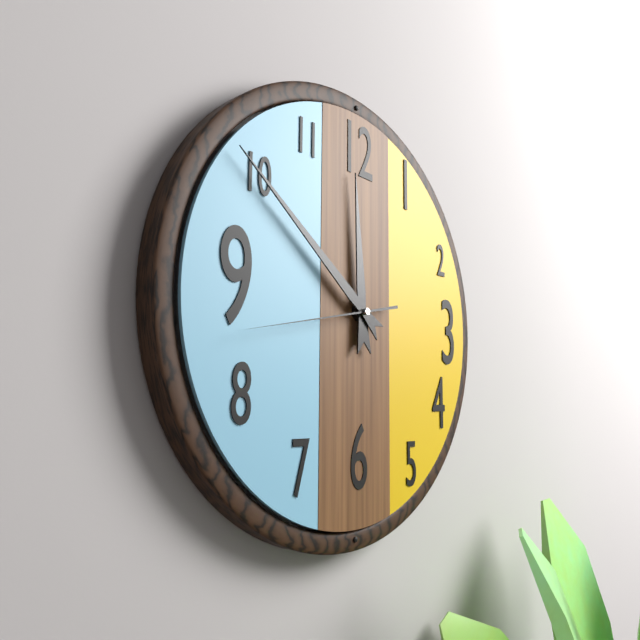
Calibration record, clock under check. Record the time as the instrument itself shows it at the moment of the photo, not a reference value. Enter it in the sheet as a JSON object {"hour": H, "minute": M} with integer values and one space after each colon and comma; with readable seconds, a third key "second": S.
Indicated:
{"hour": 11, "minute": 51, "second": 43}
